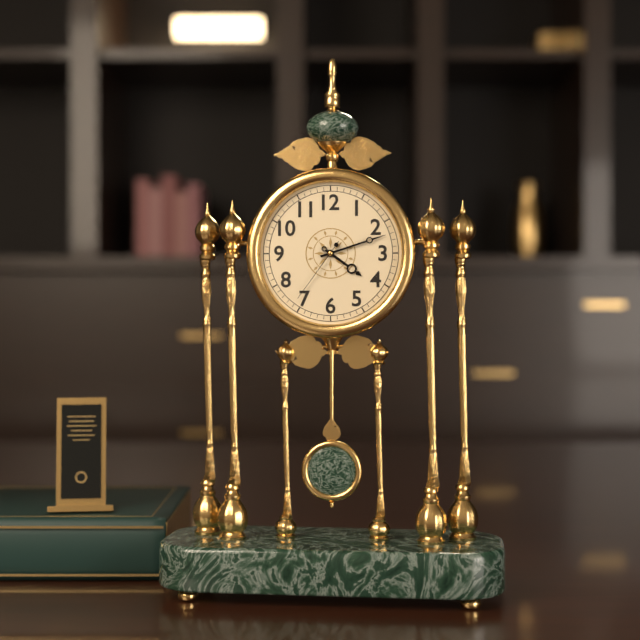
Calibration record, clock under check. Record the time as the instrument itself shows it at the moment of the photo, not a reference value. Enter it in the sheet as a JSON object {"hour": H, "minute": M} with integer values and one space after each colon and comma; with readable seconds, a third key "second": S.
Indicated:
{"hour": 4, "minute": 12, "second": 36}
